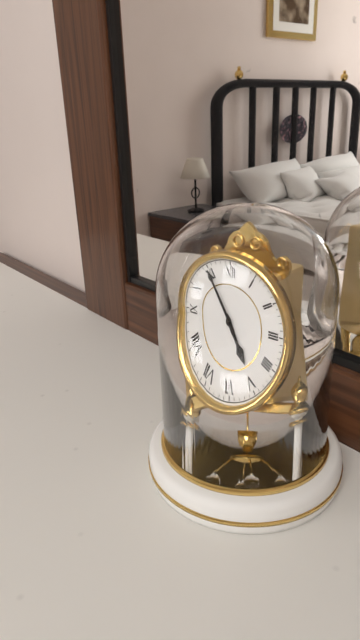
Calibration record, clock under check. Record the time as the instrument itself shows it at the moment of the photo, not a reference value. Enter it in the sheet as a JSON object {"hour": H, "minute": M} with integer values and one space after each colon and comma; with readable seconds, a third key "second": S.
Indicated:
{"hour": 4, "minute": 55}
